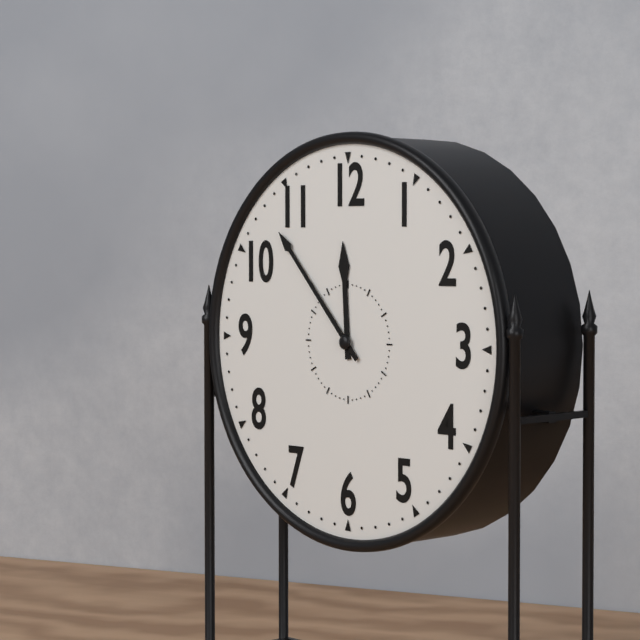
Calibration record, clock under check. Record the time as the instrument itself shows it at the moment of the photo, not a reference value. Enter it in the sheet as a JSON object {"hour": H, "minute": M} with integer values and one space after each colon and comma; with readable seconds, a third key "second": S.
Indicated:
{"hour": 11, "minute": 53}
